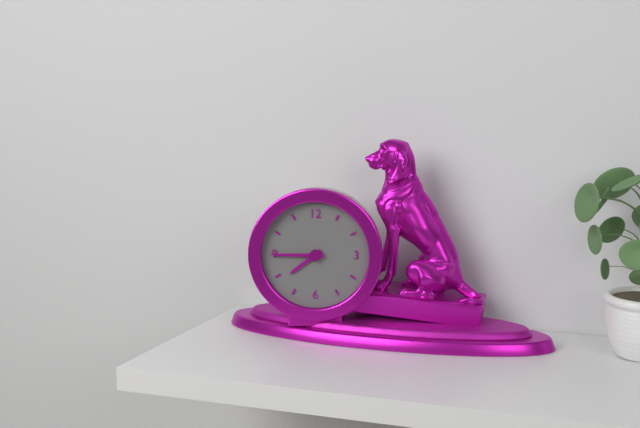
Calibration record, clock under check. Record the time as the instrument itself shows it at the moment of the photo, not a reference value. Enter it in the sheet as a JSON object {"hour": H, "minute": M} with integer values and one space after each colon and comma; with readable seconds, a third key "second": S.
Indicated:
{"hour": 7, "minute": 45}
